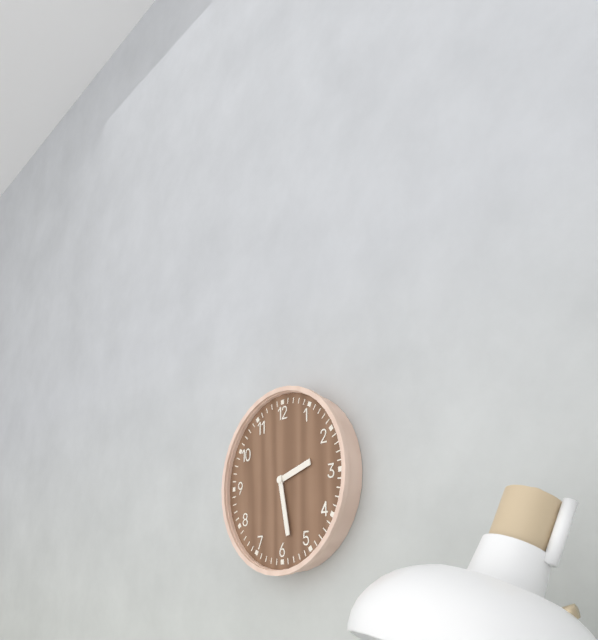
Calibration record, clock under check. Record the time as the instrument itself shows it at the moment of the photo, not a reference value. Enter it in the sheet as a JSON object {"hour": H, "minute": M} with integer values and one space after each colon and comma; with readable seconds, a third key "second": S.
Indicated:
{"hour": 2, "minute": 28}
